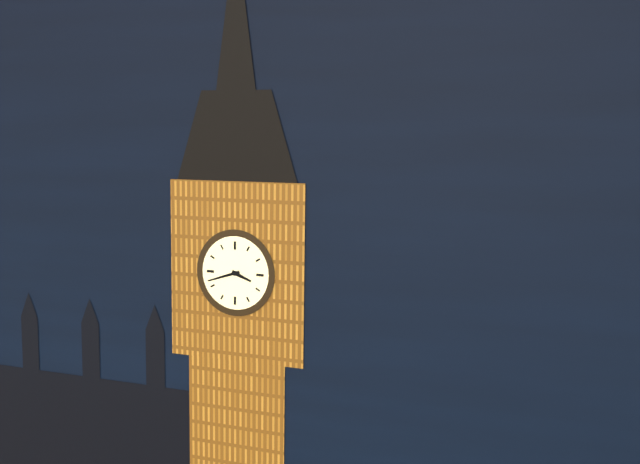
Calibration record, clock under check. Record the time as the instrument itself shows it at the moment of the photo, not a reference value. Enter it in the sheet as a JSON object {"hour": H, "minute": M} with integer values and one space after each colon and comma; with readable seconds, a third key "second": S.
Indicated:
{"hour": 3, "minute": 42}
